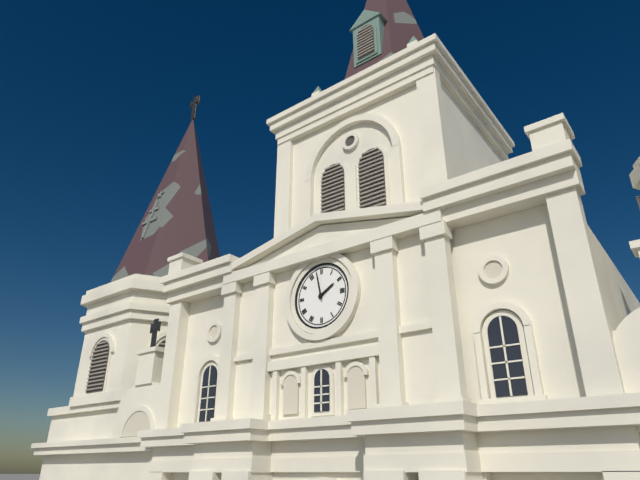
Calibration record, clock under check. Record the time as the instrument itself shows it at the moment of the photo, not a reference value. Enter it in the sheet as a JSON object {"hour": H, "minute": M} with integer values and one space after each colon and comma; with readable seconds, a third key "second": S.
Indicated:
{"hour": 1, "minute": 58}
